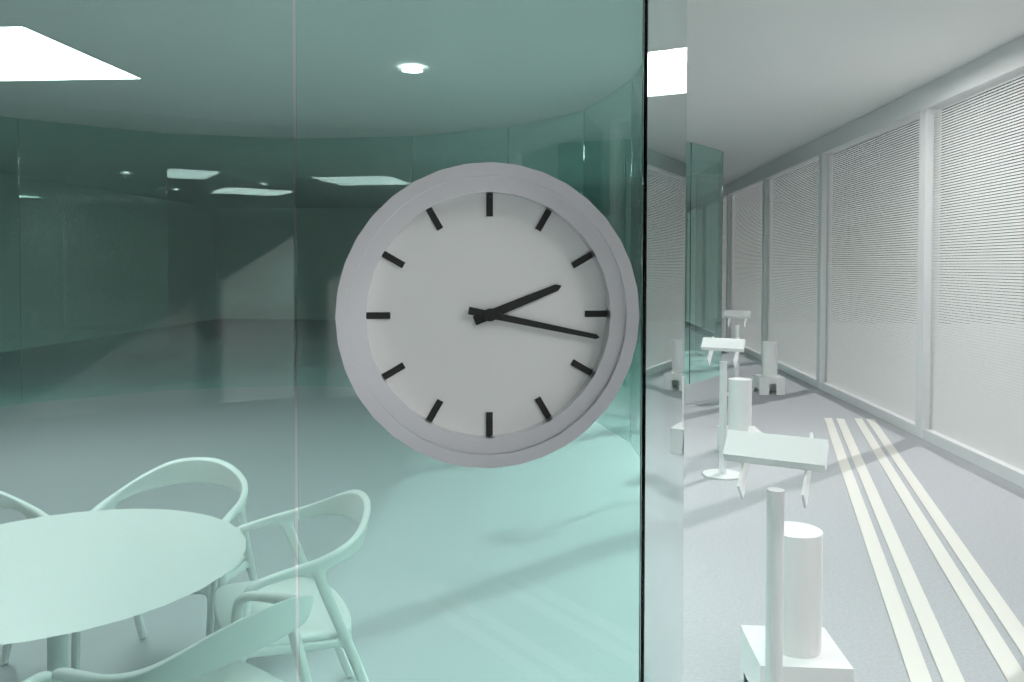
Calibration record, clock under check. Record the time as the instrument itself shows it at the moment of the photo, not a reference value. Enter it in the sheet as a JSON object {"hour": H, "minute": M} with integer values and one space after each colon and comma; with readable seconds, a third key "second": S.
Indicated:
{"hour": 2, "minute": 17}
